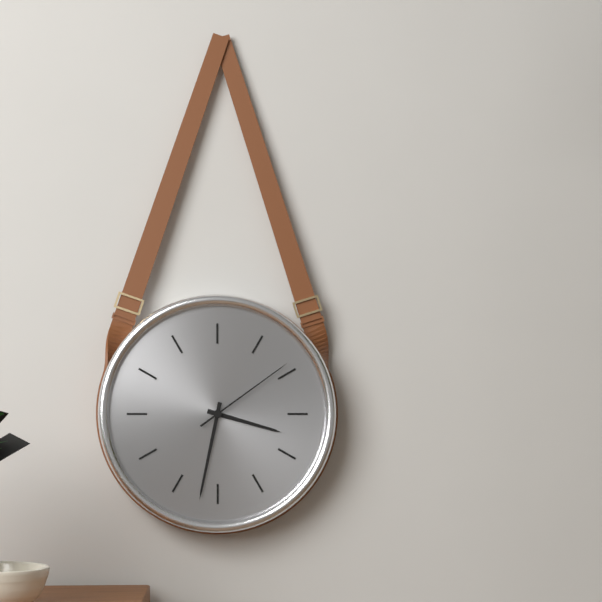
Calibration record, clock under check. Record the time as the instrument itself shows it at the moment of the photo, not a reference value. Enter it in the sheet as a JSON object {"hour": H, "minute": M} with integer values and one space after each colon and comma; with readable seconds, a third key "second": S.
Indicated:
{"hour": 3, "minute": 32, "second": 9}
